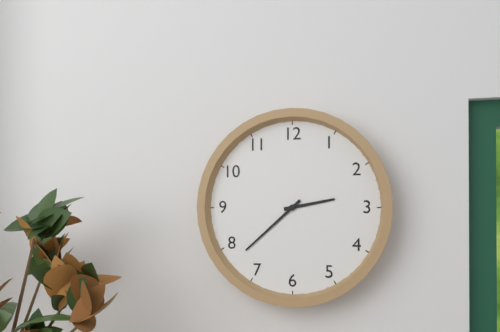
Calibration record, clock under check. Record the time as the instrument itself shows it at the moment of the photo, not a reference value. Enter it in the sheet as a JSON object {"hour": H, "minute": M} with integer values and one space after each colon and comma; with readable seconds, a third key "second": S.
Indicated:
{"hour": 2, "minute": 38}
